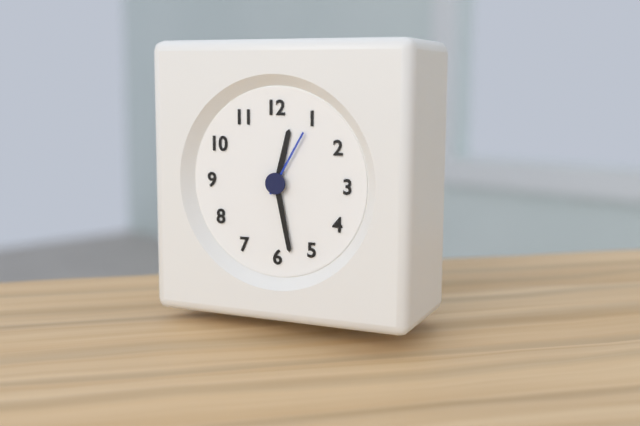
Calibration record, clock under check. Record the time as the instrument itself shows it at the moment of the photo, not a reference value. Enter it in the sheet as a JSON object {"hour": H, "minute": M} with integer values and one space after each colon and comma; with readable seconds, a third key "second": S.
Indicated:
{"hour": 12, "minute": 28, "second": 5}
